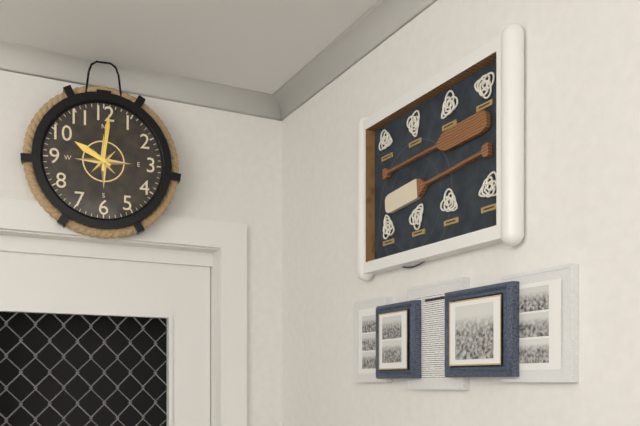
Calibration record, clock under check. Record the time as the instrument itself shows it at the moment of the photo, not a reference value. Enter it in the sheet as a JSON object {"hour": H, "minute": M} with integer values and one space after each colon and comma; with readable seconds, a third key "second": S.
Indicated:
{"hour": 10, "minute": 1}
